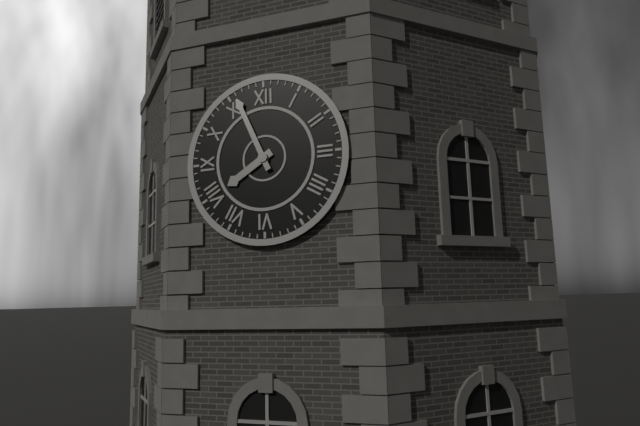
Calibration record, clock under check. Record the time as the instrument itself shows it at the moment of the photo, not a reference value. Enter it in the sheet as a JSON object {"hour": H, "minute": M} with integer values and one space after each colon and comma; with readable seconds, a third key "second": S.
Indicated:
{"hour": 7, "minute": 56}
